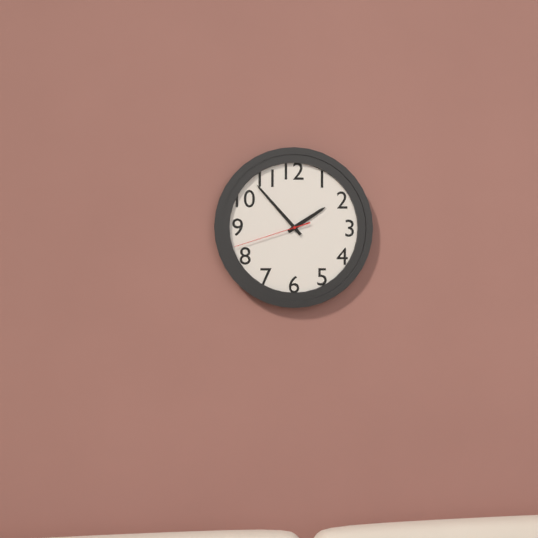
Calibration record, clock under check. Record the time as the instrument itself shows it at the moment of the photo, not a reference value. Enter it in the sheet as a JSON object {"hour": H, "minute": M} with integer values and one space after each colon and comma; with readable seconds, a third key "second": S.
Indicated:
{"hour": 1, "minute": 53, "second": 42}
